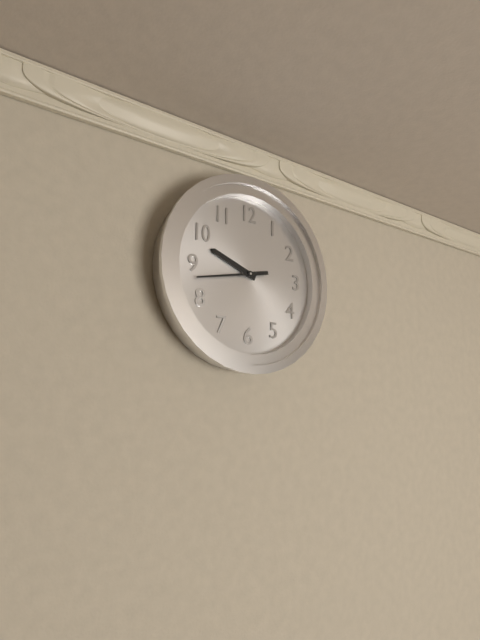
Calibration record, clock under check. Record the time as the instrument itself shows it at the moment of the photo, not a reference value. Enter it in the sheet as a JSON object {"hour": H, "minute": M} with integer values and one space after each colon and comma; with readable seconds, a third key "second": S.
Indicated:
{"hour": 9, "minute": 43}
